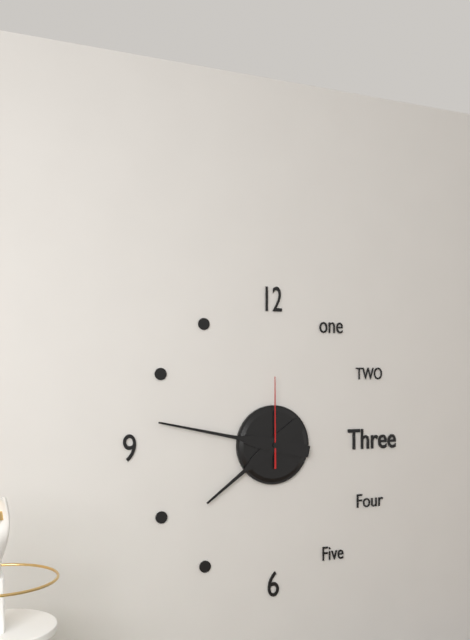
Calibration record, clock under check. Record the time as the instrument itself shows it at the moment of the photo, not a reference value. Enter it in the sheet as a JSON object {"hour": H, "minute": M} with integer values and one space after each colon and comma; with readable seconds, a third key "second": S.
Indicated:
{"hour": 7, "minute": 47, "second": 0}
